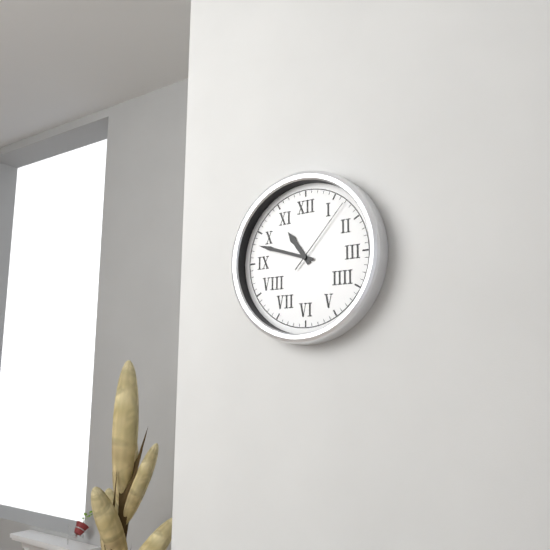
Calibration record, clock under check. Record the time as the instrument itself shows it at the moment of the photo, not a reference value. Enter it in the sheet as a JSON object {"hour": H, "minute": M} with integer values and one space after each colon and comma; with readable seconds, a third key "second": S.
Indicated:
{"hour": 10, "minute": 48, "second": 7}
